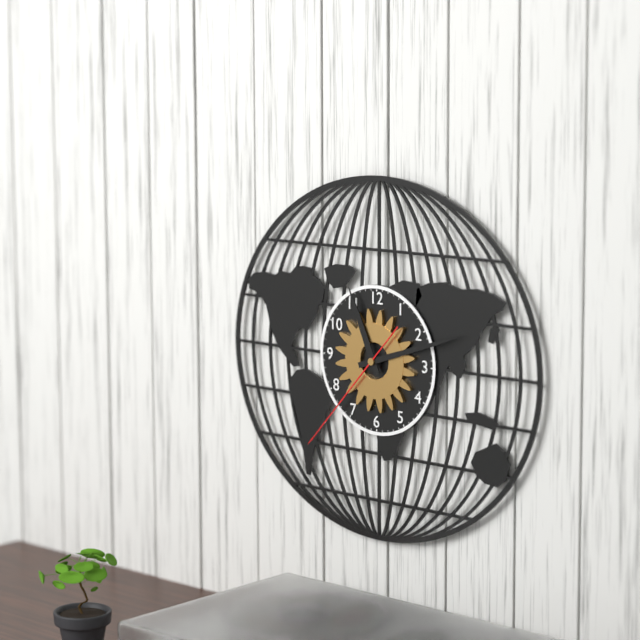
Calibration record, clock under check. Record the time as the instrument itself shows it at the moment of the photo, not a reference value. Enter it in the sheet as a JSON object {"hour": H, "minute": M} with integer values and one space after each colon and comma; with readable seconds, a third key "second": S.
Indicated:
{"hour": 11, "minute": 12, "second": 37}
